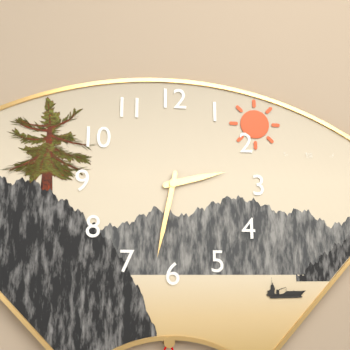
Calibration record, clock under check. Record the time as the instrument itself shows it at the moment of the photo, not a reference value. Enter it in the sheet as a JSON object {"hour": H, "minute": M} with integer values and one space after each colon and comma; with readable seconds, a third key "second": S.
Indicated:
{"hour": 2, "minute": 32}
